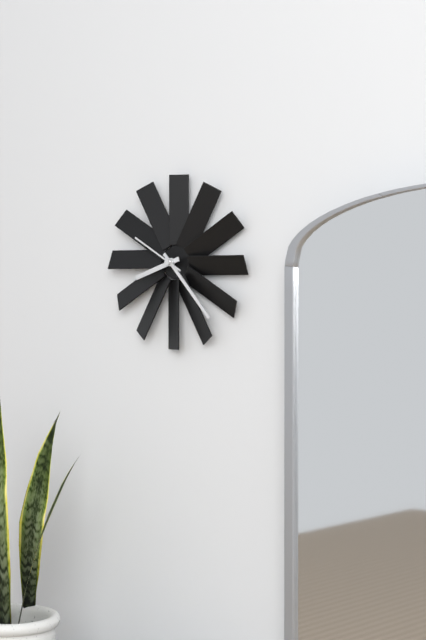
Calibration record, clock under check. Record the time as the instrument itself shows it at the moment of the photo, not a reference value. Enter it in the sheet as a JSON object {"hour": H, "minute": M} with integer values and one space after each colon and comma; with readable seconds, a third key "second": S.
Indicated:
{"hour": 8, "minute": 23, "second": 50}
